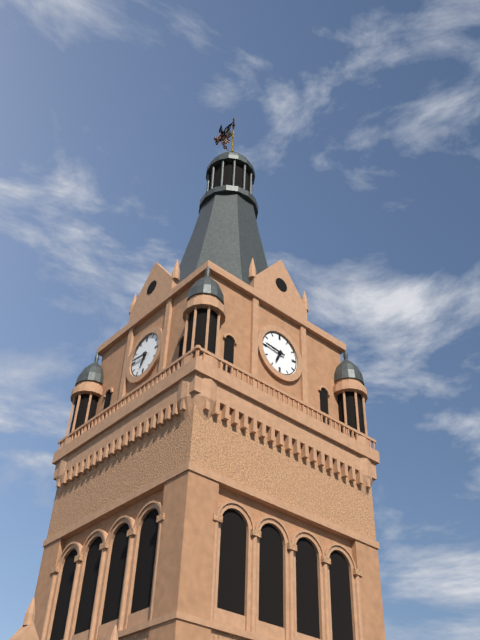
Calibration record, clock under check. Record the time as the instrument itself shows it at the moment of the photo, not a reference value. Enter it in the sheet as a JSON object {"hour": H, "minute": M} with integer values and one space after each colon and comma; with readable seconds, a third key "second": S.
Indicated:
{"hour": 6, "minute": 46}
